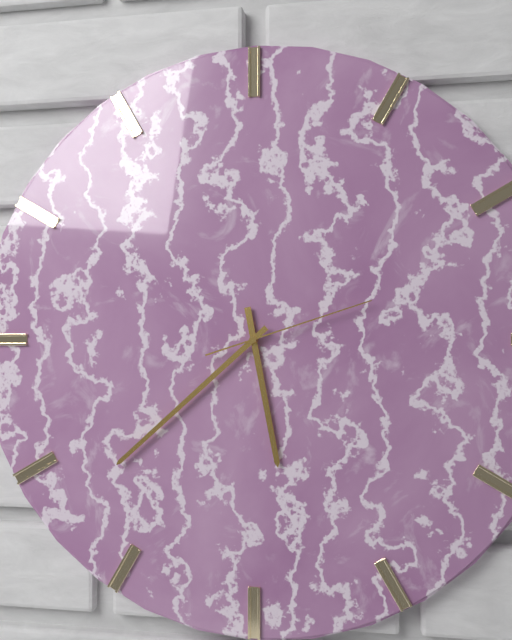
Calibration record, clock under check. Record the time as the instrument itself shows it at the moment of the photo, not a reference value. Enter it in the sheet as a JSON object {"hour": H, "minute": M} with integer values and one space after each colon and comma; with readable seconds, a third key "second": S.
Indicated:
{"hour": 5, "minute": 38, "second": 12}
